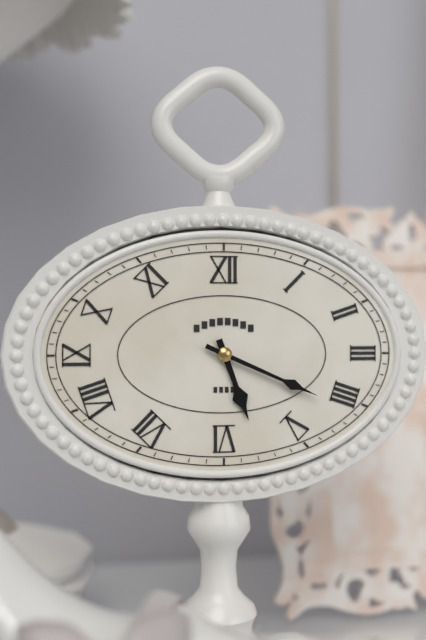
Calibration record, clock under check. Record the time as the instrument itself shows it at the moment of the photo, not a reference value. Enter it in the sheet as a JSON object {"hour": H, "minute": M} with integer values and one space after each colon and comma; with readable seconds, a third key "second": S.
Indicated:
{"hour": 5, "minute": 19}
